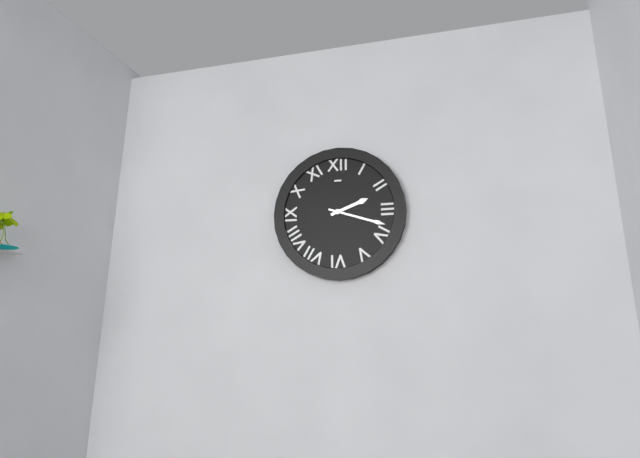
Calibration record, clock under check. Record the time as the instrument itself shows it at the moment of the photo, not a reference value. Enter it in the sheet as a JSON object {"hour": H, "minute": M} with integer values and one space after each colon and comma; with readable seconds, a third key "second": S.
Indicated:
{"hour": 2, "minute": 18}
